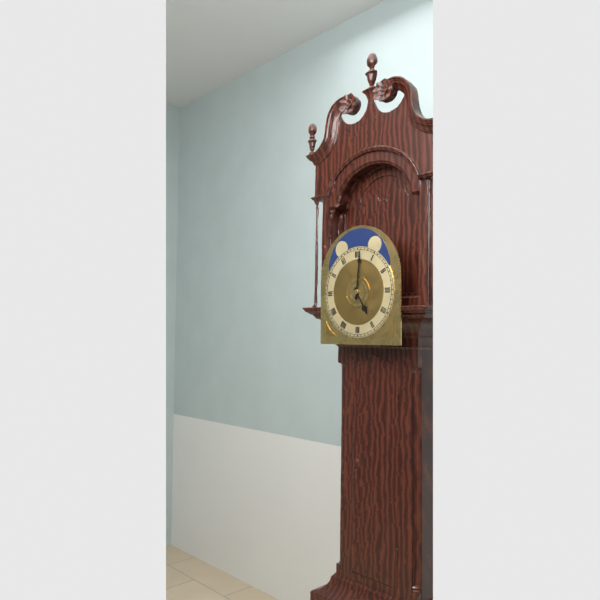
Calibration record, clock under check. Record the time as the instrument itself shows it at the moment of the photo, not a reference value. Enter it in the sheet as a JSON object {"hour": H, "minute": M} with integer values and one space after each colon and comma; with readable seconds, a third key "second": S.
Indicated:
{"hour": 5, "minute": 1}
